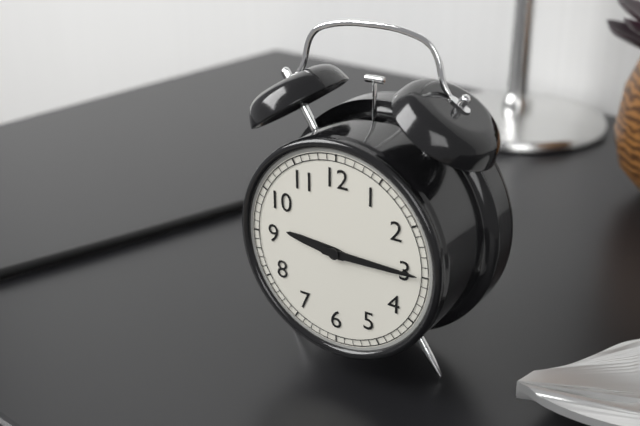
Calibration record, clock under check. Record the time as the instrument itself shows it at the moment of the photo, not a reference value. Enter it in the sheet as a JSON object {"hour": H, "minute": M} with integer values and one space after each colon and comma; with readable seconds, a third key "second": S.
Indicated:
{"hour": 9, "minute": 15}
